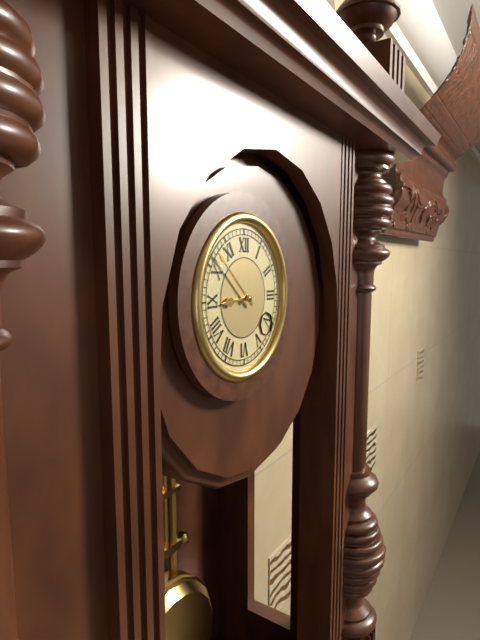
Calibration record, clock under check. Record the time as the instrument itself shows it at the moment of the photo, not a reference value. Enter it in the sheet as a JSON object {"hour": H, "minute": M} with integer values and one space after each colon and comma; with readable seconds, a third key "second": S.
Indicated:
{"hour": 8, "minute": 52}
